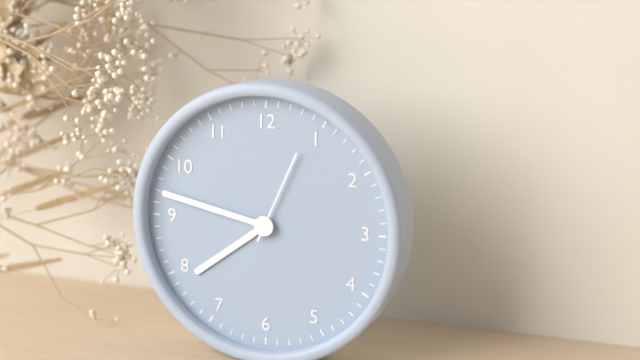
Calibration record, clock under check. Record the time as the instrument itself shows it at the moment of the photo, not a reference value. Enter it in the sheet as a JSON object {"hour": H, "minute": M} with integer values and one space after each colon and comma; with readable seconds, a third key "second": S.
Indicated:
{"hour": 7, "minute": 47, "second": 4}
